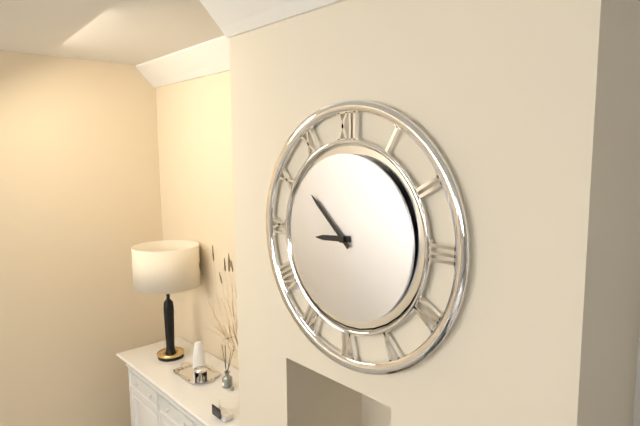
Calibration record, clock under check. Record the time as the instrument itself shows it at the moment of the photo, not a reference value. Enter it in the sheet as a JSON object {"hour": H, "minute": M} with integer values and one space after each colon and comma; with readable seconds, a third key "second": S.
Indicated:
{"hour": 8, "minute": 52}
